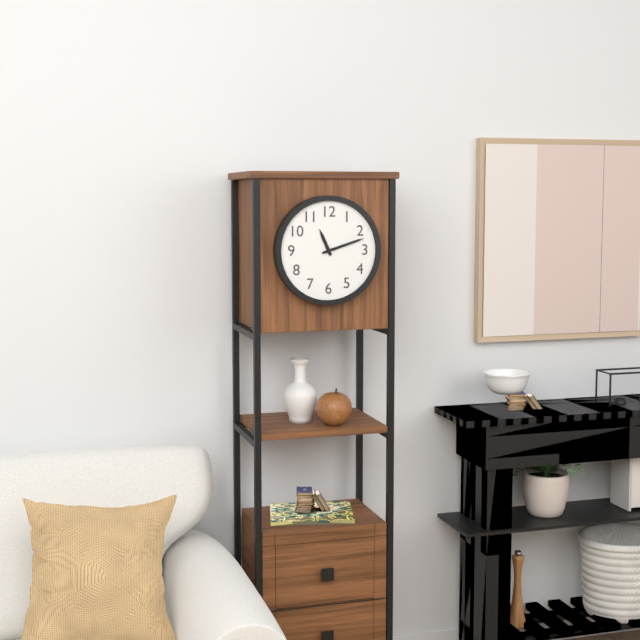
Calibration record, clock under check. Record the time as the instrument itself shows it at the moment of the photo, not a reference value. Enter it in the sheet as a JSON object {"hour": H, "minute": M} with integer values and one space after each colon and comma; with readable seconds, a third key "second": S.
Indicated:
{"hour": 11, "minute": 12}
